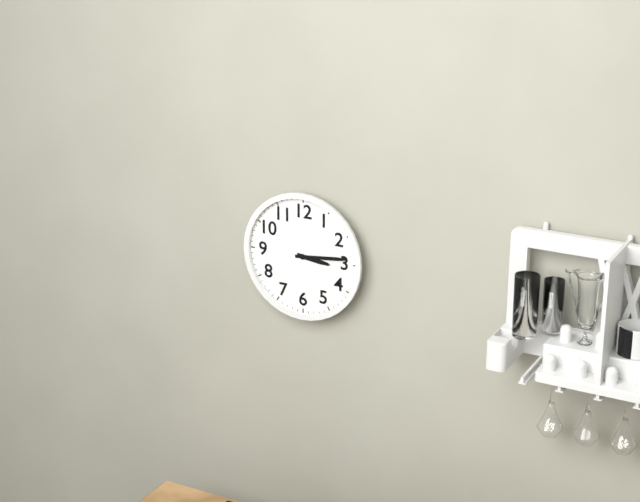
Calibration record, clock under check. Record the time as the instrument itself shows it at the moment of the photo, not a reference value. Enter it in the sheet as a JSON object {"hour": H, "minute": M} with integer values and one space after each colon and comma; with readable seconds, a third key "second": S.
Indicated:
{"hour": 3, "minute": 14}
